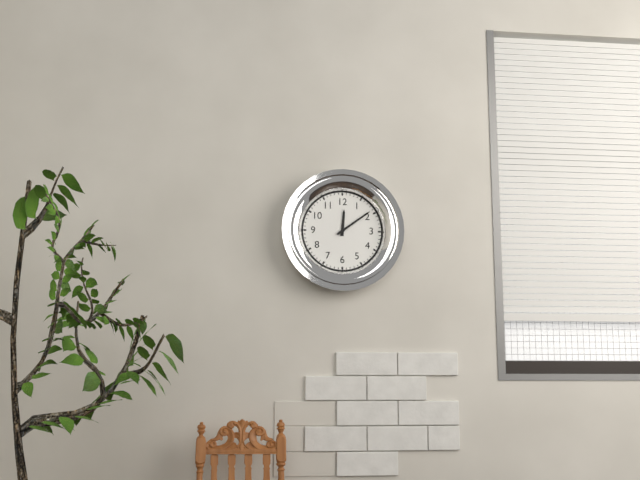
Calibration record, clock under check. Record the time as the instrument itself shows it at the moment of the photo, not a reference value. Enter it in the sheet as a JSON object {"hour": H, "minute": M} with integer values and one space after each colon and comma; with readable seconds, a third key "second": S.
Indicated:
{"hour": 12, "minute": 9}
